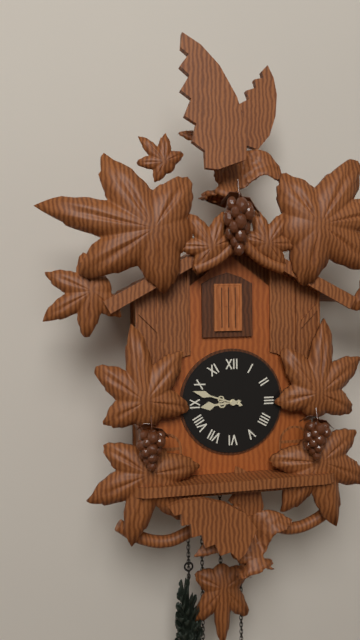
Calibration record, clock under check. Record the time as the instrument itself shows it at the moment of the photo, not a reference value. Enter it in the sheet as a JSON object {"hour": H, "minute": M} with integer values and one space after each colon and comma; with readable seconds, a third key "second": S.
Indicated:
{"hour": 8, "minute": 48}
